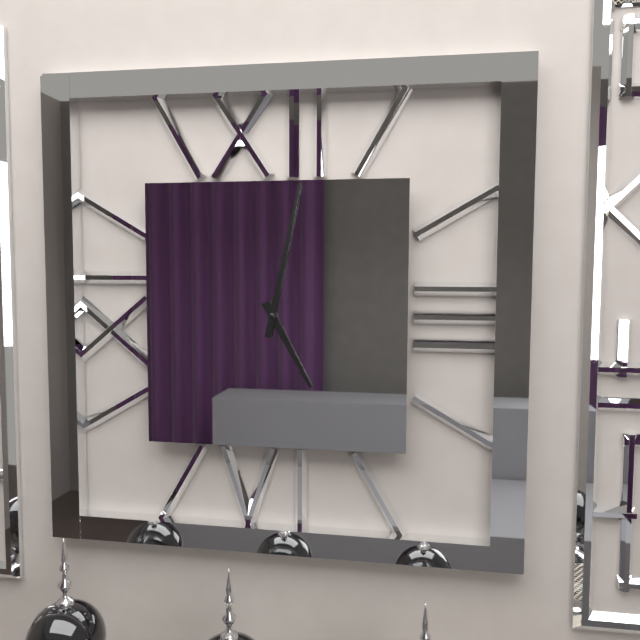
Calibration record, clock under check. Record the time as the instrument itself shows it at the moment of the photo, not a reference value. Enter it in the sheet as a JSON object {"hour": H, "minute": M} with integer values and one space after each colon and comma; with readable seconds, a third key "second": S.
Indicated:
{"hour": 5, "minute": 2}
